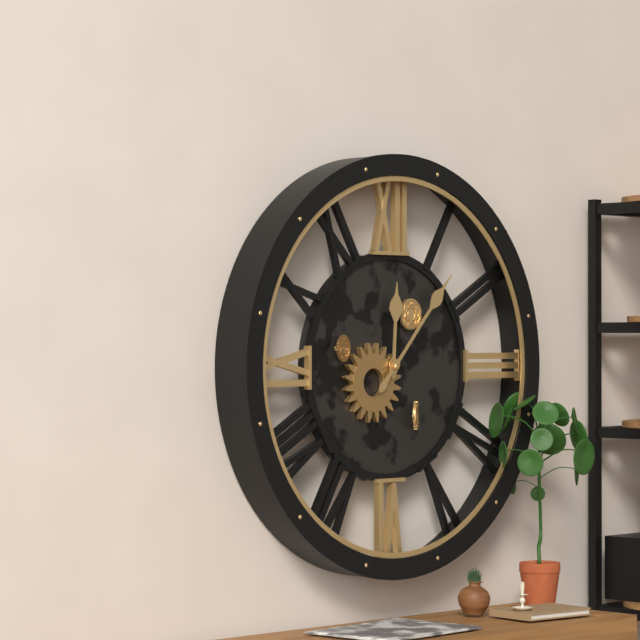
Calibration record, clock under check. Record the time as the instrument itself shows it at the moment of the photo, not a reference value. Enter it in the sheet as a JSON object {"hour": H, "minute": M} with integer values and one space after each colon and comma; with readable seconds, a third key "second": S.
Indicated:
{"hour": 12, "minute": 7}
